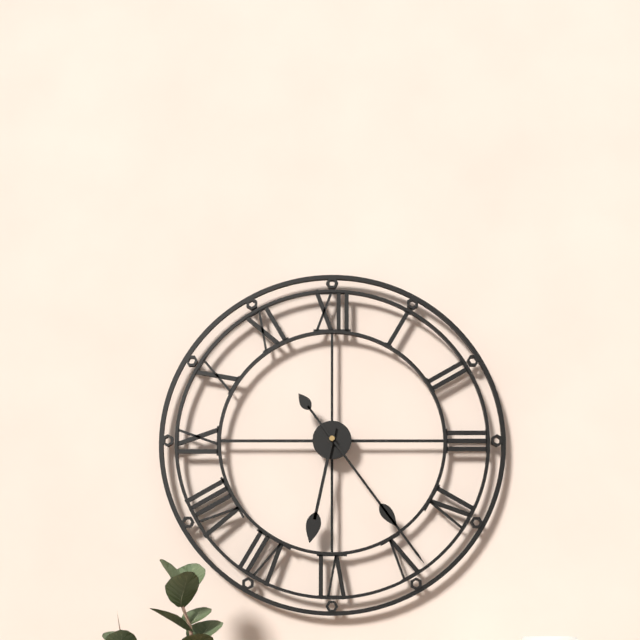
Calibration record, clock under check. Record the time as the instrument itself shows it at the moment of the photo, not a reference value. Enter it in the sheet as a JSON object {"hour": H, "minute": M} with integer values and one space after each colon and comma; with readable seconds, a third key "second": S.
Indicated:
{"hour": 6, "minute": 24}
